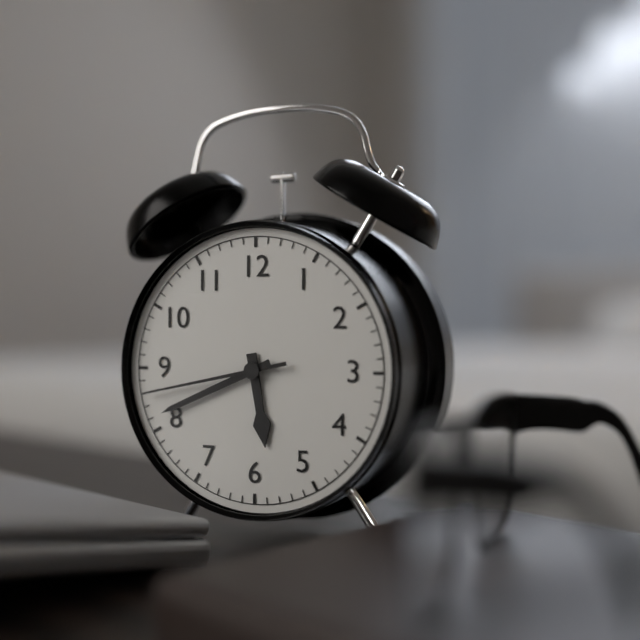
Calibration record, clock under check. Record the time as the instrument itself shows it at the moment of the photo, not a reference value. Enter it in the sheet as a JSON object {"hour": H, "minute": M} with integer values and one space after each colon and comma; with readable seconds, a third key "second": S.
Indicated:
{"hour": 5, "minute": 41, "second": 43}
